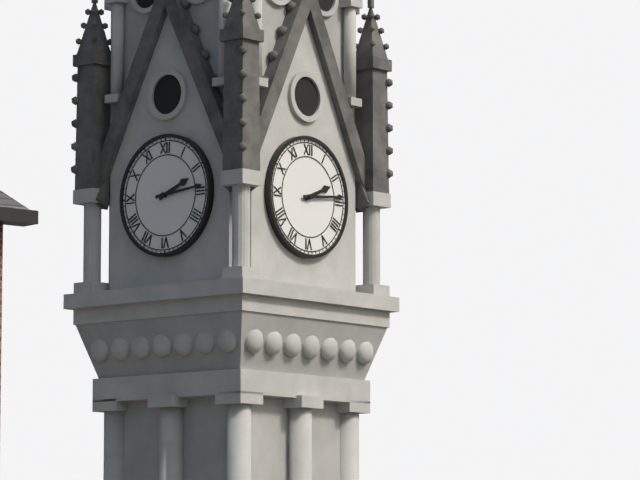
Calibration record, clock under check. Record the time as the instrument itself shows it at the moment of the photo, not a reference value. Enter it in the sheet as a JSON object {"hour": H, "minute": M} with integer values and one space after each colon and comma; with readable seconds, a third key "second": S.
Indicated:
{"hour": 2, "minute": 14}
